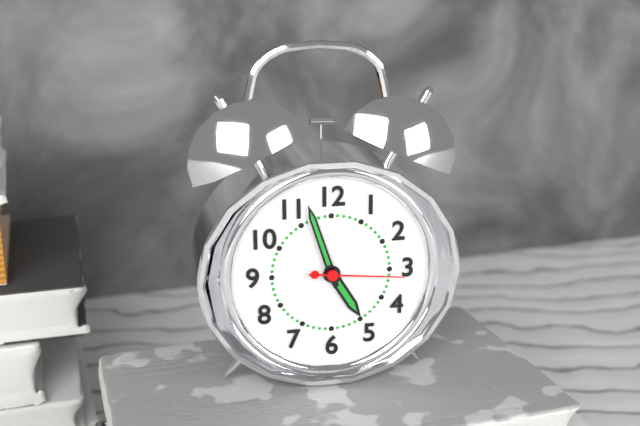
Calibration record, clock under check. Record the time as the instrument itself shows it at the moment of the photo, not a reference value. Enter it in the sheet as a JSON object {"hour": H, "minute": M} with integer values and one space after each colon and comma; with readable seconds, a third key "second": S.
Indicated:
{"hour": 4, "minute": 57, "second": 16}
